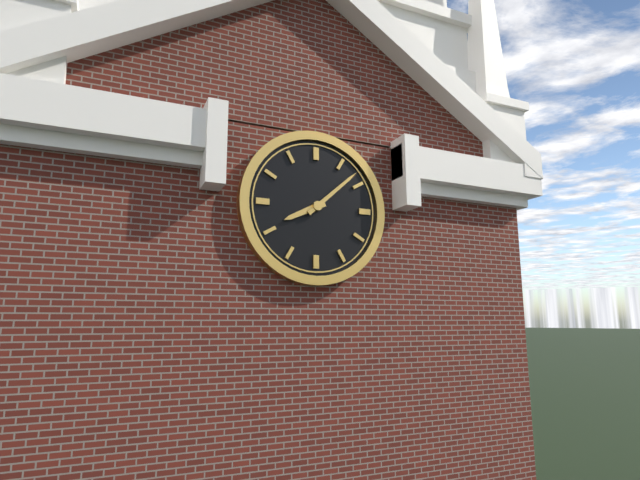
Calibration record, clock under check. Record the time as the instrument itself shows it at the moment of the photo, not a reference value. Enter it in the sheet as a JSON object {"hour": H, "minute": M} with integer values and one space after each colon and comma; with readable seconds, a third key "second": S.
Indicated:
{"hour": 8, "minute": 8}
